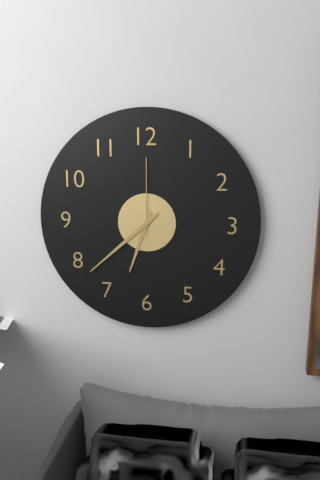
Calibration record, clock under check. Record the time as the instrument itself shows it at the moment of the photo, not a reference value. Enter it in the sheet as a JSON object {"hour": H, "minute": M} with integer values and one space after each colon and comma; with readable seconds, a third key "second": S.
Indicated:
{"hour": 6, "minute": 38, "second": 0}
